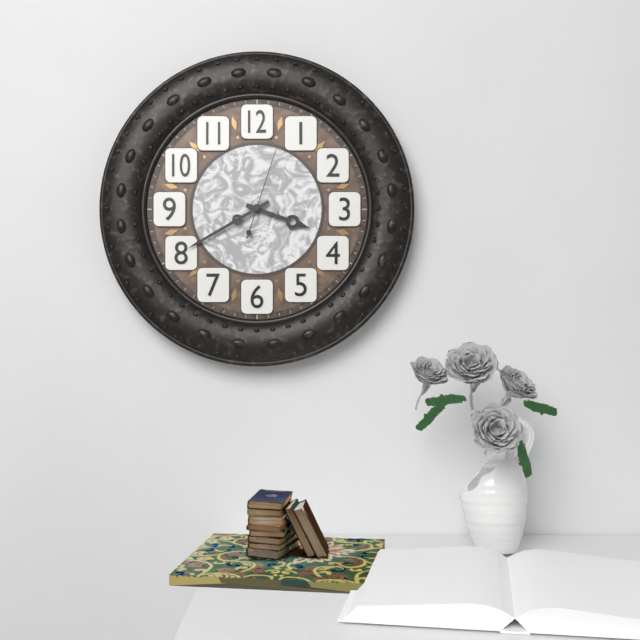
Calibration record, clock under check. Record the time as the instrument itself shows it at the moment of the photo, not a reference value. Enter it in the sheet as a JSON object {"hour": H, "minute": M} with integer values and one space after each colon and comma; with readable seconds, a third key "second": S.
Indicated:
{"hour": 3, "minute": 40, "second": 3}
